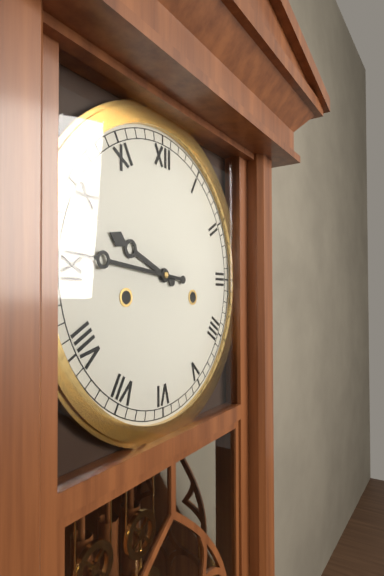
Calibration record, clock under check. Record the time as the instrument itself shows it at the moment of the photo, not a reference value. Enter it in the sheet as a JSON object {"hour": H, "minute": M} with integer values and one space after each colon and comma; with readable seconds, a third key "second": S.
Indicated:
{"hour": 9, "minute": 46}
